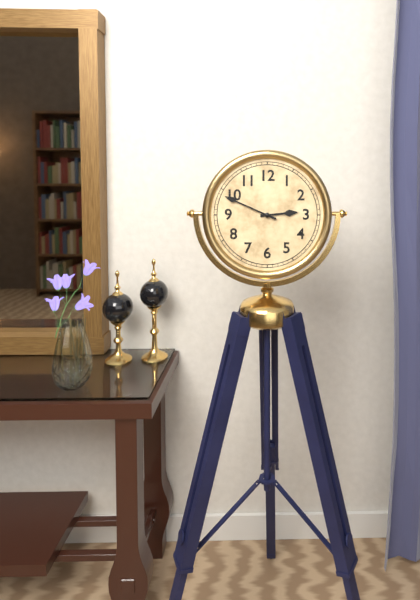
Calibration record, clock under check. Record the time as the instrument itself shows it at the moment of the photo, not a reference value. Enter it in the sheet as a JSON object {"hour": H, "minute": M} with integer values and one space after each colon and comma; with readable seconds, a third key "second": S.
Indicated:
{"hour": 2, "minute": 49}
